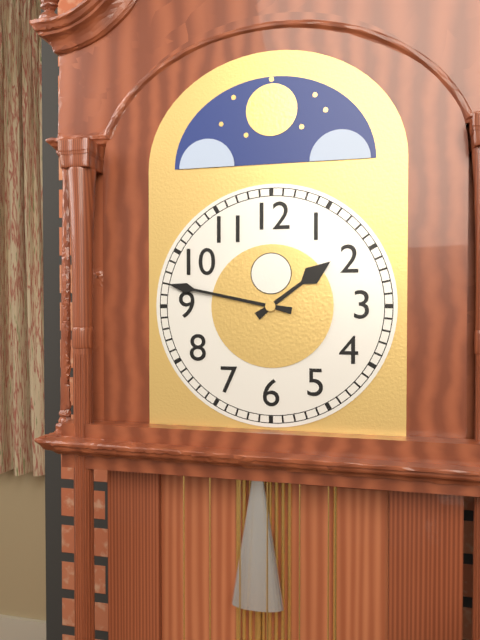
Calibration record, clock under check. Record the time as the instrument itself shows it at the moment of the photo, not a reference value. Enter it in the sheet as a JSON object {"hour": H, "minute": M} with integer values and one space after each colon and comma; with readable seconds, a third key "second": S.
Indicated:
{"hour": 1, "minute": 47}
